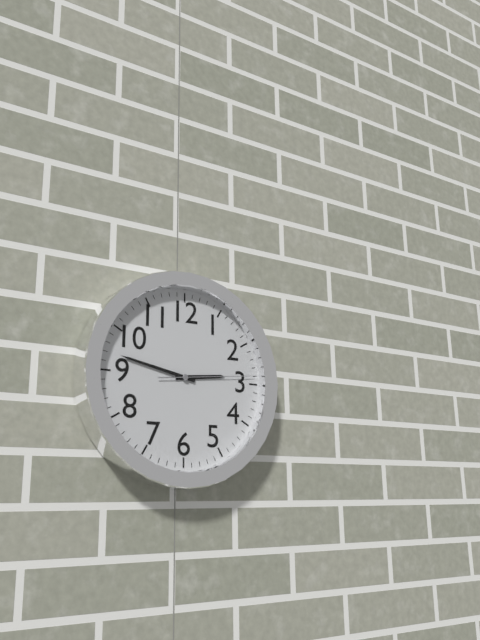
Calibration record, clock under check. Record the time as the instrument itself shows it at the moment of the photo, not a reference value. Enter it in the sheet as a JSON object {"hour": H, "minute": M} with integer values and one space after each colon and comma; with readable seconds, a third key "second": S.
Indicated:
{"hour": 2, "minute": 47, "second": 14}
